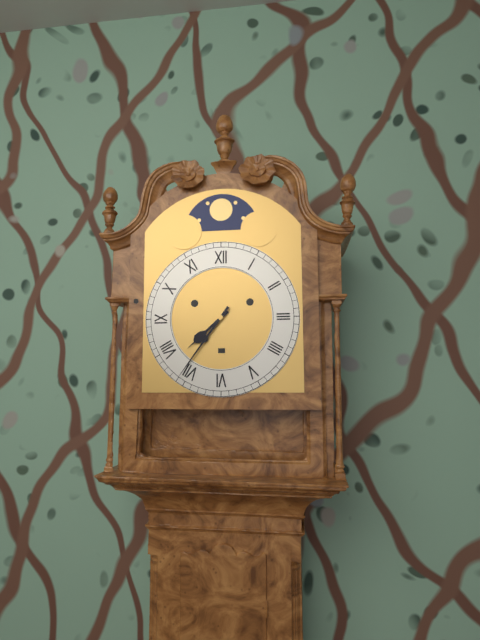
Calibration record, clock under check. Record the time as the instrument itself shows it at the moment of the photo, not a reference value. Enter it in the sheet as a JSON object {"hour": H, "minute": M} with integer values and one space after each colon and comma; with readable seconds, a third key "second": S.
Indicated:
{"hour": 7, "minute": 36}
